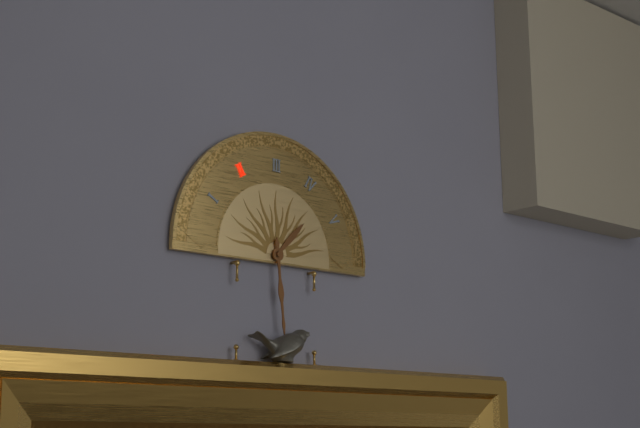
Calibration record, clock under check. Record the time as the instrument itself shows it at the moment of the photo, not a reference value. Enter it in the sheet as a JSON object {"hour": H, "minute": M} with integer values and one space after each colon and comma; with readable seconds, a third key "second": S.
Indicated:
{"hour": 1, "minute": 29}
